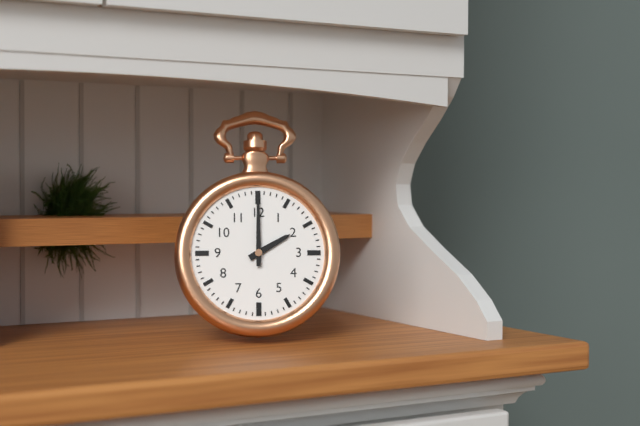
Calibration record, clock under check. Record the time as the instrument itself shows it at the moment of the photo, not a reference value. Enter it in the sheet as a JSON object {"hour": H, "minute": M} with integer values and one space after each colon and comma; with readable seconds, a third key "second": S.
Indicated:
{"hour": 2, "minute": 0}
